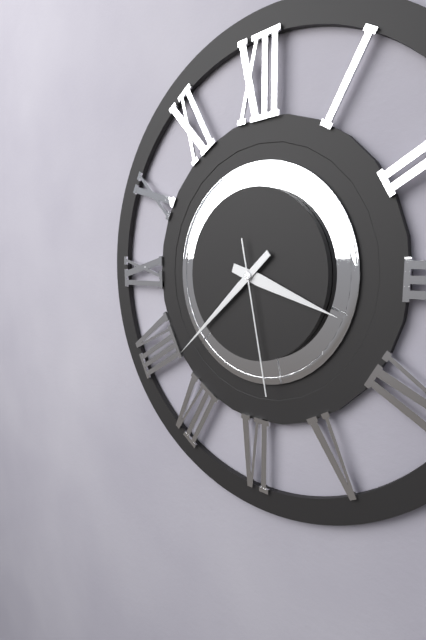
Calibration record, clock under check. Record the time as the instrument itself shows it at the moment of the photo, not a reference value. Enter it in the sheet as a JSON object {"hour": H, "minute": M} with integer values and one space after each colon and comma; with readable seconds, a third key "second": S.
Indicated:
{"hour": 3, "minute": 38, "second": 28}
